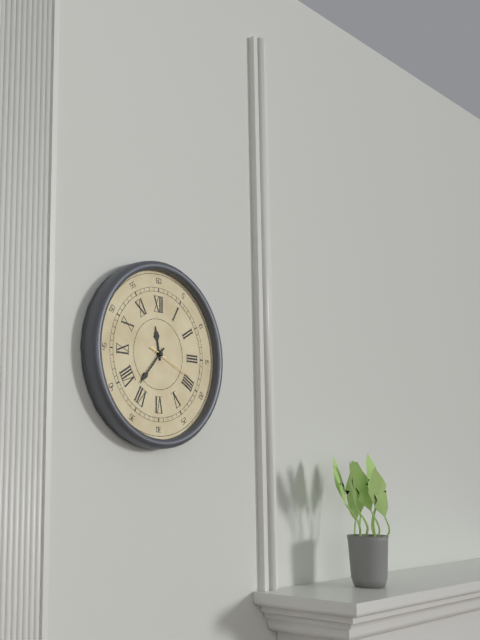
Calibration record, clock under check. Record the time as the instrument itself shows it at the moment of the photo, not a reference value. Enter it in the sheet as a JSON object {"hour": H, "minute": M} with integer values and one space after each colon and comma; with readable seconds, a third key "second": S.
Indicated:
{"hour": 11, "minute": 37}
